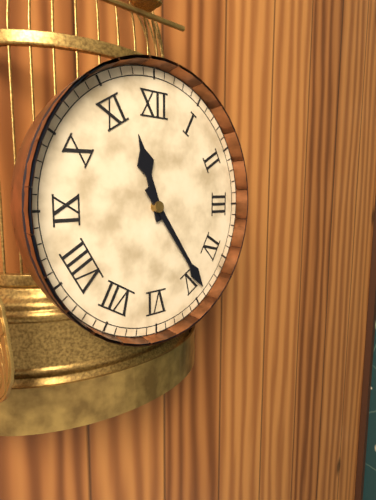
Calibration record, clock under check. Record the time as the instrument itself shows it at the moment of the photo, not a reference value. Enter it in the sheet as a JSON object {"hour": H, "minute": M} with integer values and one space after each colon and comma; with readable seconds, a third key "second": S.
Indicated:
{"hour": 11, "minute": 24}
